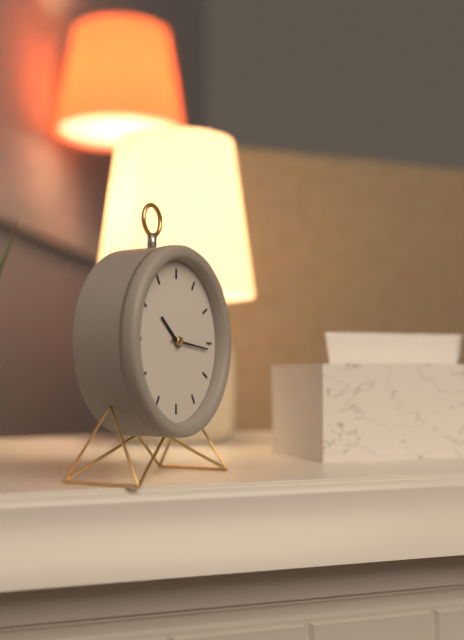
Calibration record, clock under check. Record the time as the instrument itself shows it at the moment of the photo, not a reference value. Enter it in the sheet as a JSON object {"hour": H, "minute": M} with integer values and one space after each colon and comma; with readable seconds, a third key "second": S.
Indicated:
{"hour": 10, "minute": 16}
